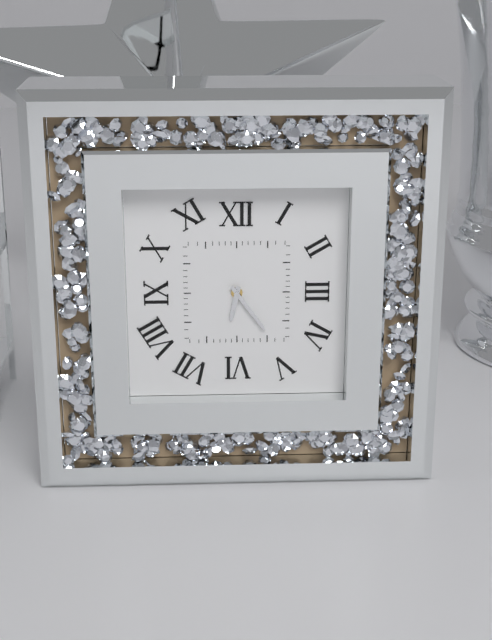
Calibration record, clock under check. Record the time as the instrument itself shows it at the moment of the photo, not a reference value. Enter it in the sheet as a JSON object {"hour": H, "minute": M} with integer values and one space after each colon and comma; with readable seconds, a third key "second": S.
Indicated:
{"hour": 6, "minute": 24}
